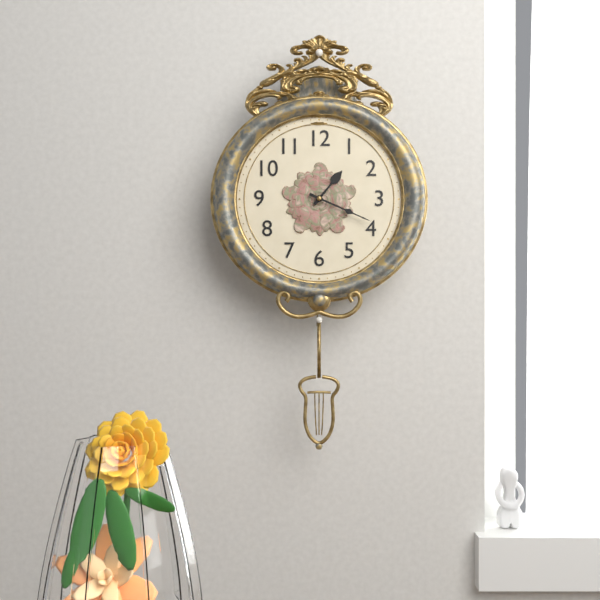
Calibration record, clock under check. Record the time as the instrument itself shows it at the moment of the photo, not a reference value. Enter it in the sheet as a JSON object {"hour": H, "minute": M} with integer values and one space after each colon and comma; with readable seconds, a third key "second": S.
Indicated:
{"hour": 1, "minute": 19}
